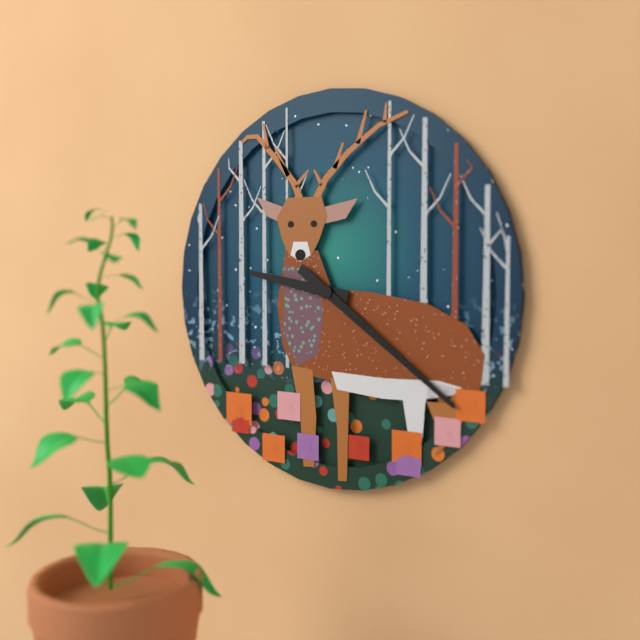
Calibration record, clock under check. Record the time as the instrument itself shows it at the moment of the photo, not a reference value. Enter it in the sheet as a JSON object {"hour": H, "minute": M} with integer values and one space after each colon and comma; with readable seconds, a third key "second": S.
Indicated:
{"hour": 9, "minute": 21}
